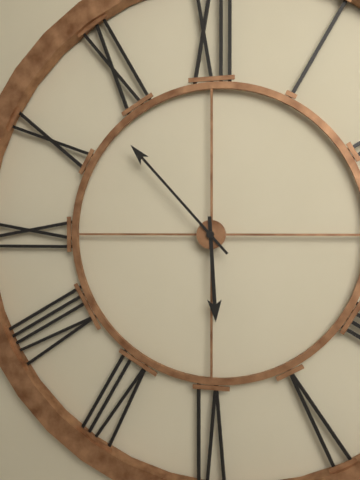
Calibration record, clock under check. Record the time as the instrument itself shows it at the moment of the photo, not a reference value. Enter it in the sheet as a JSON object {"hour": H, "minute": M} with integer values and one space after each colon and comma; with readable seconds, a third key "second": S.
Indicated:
{"hour": 5, "minute": 53}
